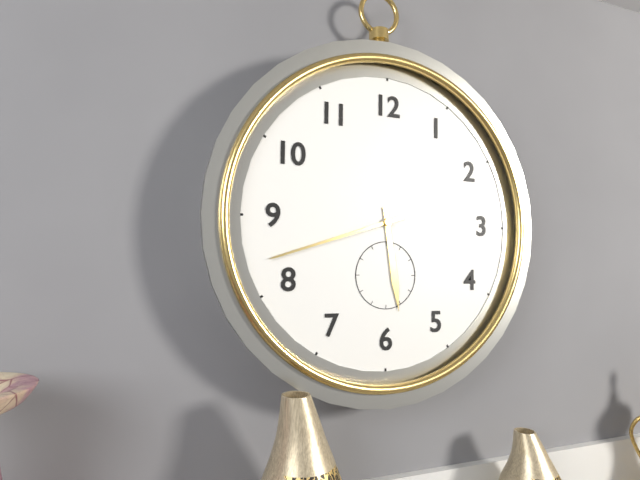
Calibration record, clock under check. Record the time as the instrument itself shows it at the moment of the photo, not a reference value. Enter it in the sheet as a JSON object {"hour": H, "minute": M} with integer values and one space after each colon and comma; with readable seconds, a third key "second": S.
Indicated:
{"hour": 5, "minute": 42}
